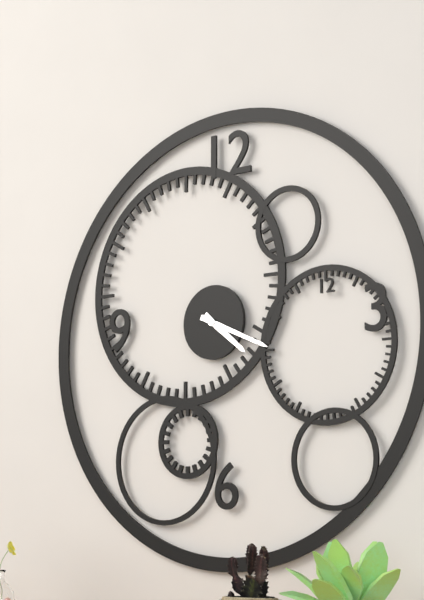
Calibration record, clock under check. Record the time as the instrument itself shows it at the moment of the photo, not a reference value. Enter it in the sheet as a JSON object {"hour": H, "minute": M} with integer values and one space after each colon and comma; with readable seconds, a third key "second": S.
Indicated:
{"hour": 4, "minute": 19}
